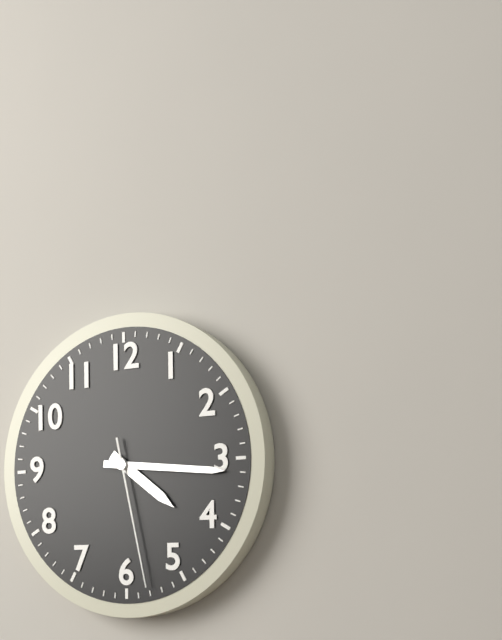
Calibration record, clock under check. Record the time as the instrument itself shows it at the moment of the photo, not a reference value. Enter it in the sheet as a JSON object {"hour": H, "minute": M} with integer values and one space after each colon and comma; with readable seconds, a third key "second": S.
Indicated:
{"hour": 4, "minute": 16, "second": 28}
